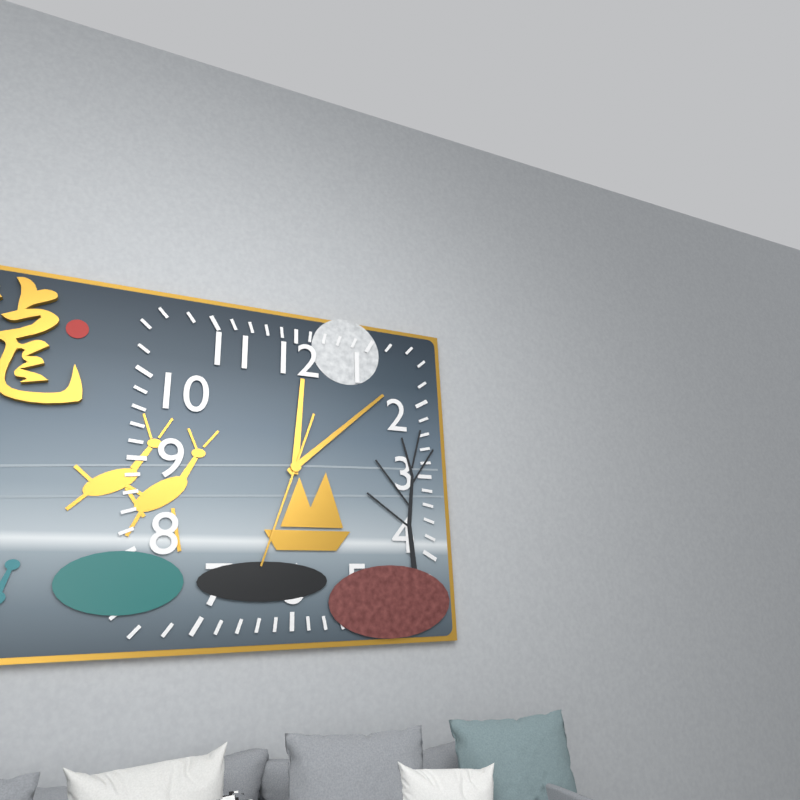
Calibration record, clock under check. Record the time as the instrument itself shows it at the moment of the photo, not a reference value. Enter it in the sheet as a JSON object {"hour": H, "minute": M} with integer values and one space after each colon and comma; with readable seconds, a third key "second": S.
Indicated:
{"hour": 12, "minute": 8, "second": 33}
